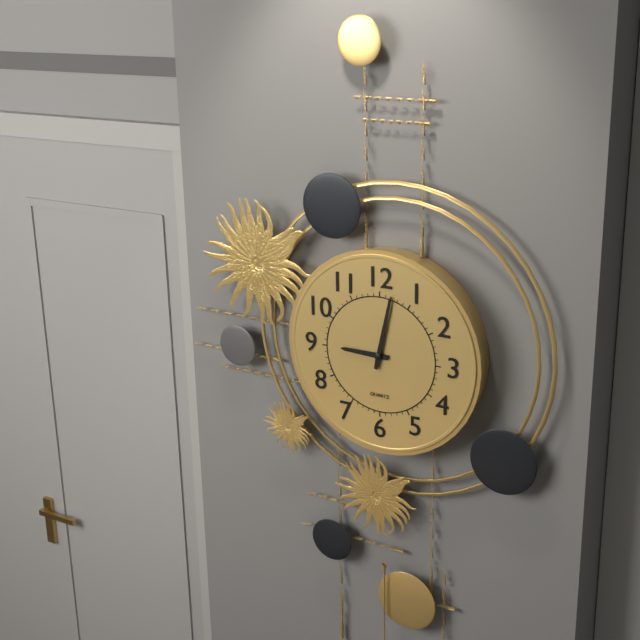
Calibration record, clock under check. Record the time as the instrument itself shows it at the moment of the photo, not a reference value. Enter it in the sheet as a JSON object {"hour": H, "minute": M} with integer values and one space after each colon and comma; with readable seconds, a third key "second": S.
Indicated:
{"hour": 9, "minute": 2}
